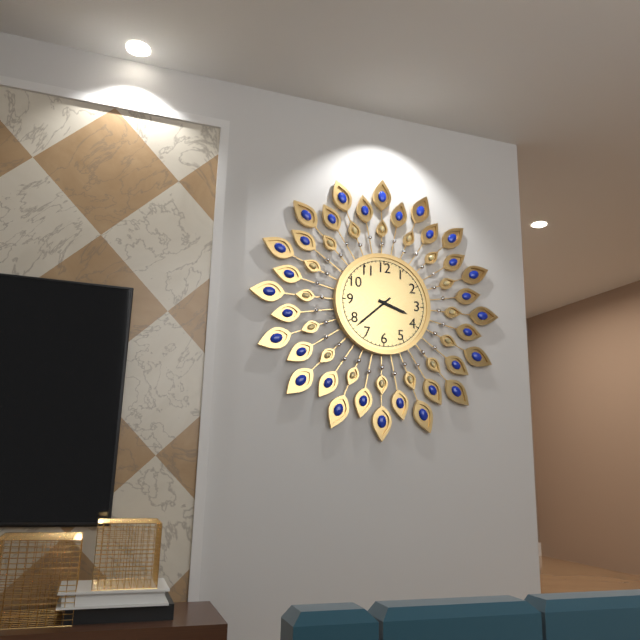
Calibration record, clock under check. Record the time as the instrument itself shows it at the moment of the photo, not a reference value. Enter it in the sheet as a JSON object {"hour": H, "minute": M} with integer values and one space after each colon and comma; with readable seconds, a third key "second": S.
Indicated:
{"hour": 3, "minute": 38}
